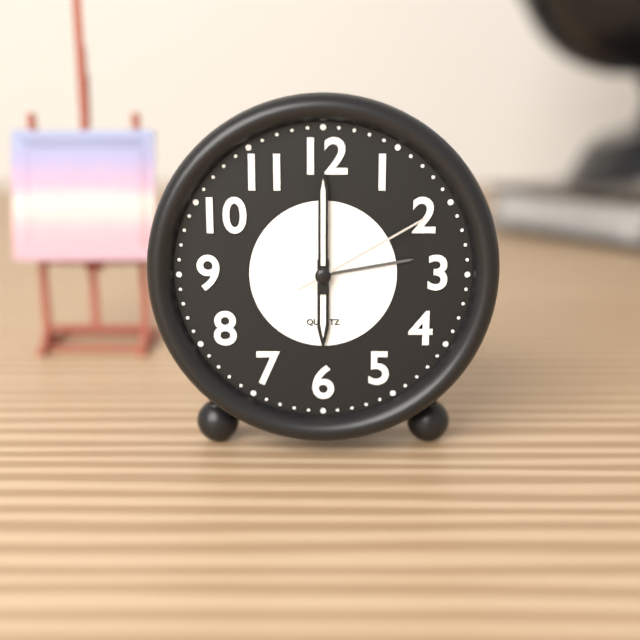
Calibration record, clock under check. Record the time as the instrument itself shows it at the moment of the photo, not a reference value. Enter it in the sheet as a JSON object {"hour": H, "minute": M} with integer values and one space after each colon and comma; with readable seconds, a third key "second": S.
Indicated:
{"hour": 6, "minute": 0, "second": 10}
